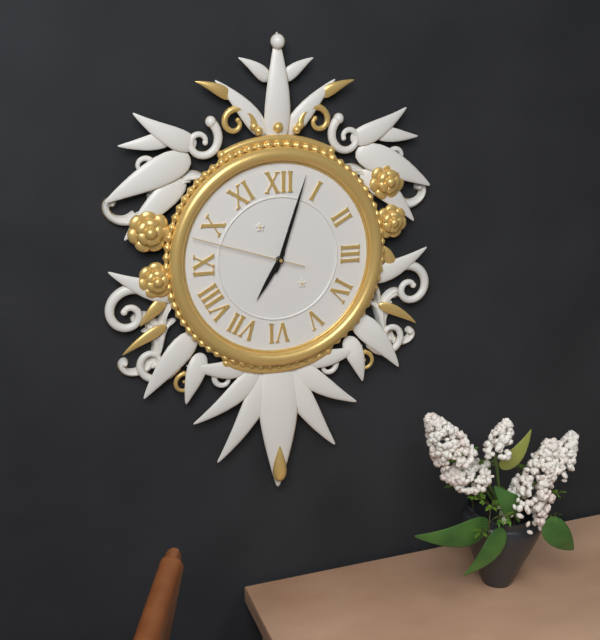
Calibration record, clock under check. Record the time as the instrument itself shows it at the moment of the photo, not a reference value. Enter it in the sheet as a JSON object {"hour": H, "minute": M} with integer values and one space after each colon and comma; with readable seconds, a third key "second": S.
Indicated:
{"hour": 7, "minute": 3, "second": 48}
